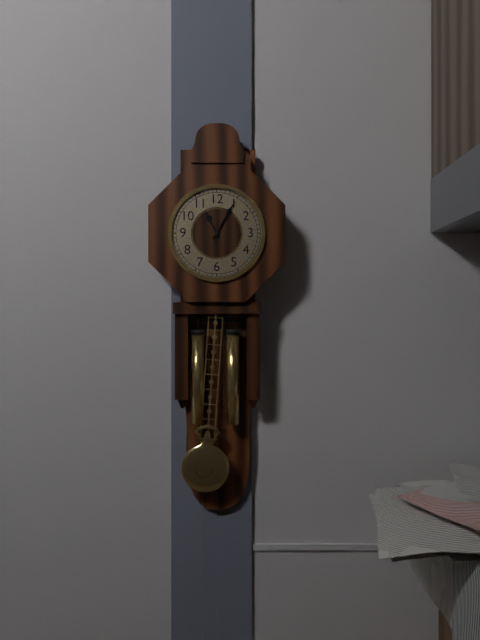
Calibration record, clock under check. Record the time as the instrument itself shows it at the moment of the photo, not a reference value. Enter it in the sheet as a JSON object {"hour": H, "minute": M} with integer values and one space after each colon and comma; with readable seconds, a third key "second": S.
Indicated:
{"hour": 11, "minute": 5}
